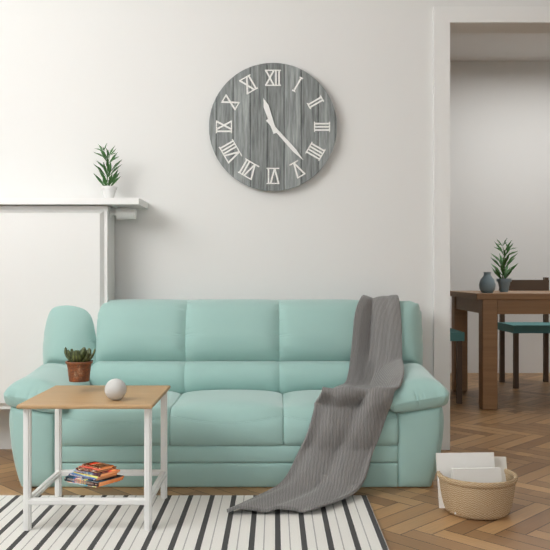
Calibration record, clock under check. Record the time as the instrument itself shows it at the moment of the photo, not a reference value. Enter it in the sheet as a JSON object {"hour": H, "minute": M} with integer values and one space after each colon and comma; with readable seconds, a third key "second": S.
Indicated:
{"hour": 11, "minute": 23}
